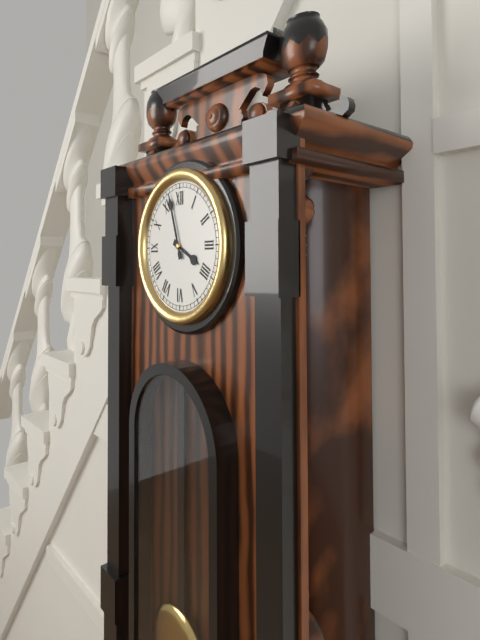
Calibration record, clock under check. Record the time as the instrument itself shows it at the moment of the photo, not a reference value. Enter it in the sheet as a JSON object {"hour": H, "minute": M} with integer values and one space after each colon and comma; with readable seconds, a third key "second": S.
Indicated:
{"hour": 3, "minute": 57}
